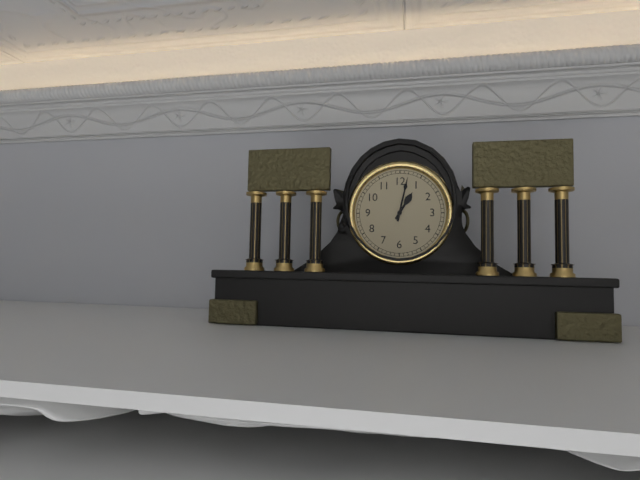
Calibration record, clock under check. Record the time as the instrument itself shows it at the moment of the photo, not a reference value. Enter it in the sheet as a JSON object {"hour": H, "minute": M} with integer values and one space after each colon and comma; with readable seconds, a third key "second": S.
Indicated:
{"hour": 1, "minute": 2}
